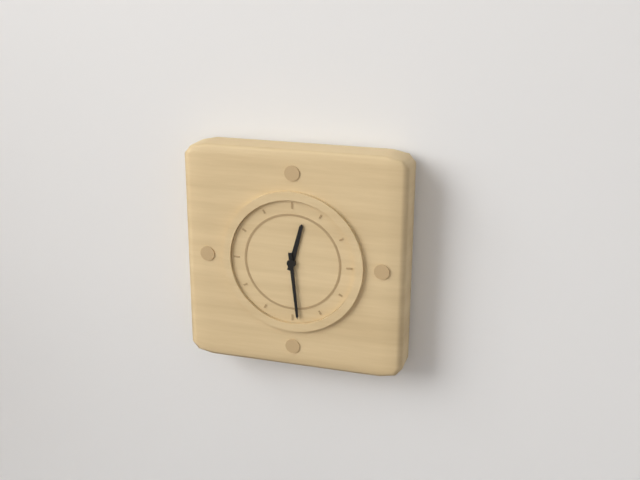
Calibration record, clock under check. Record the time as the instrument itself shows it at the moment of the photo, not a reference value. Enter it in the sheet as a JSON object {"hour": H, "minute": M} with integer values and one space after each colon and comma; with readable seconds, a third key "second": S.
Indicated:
{"hour": 12, "minute": 29}
